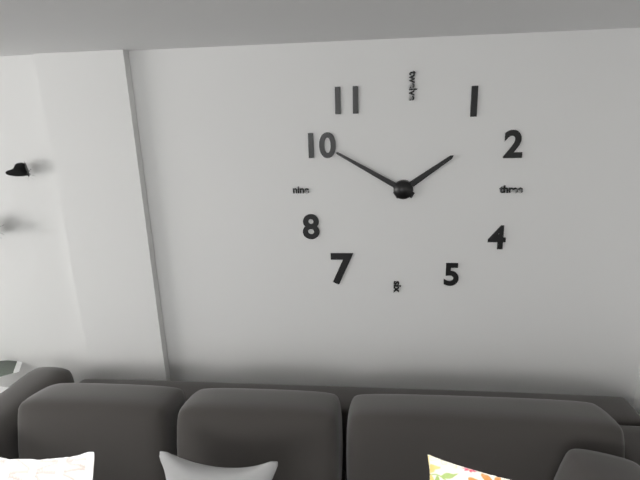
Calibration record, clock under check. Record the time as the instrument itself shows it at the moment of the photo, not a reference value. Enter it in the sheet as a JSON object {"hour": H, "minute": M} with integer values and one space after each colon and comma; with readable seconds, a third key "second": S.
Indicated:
{"hour": 1, "minute": 50}
